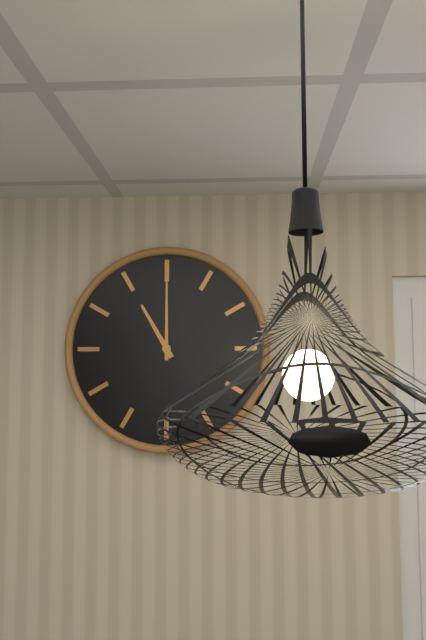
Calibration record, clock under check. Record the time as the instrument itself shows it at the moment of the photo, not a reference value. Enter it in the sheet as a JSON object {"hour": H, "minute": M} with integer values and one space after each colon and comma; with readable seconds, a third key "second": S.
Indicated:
{"hour": 11, "minute": 0}
